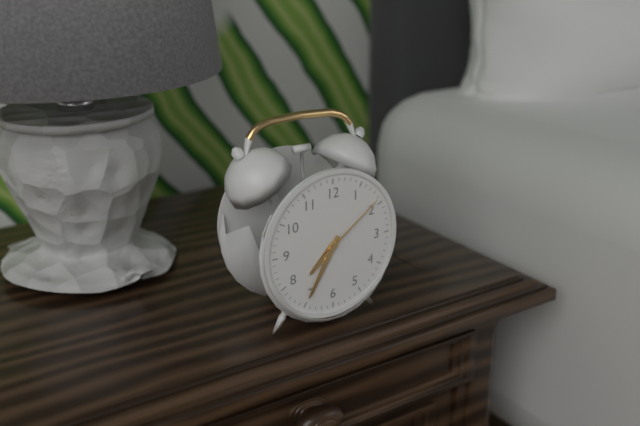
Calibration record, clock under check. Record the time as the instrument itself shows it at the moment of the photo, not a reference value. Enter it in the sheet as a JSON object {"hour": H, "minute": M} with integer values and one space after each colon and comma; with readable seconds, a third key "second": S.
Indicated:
{"hour": 7, "minute": 35, "second": 9}
